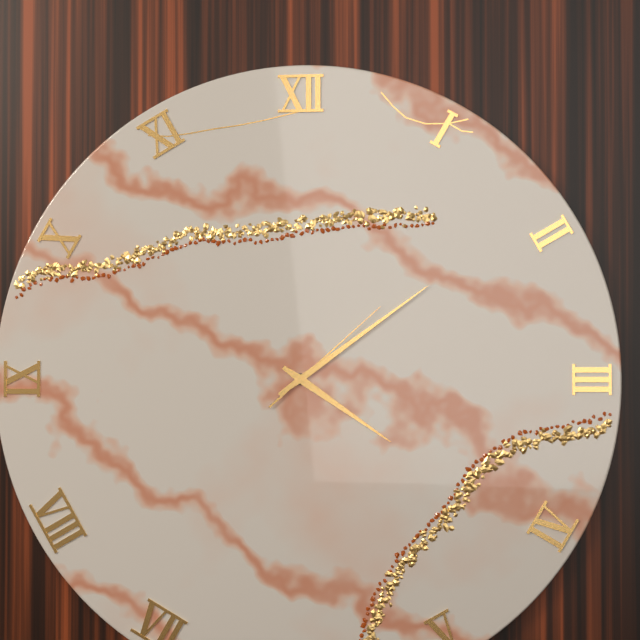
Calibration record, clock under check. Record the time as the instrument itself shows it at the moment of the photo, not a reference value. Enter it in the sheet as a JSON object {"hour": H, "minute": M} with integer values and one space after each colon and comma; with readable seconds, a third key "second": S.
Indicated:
{"hour": 4, "minute": 9, "second": 8}
